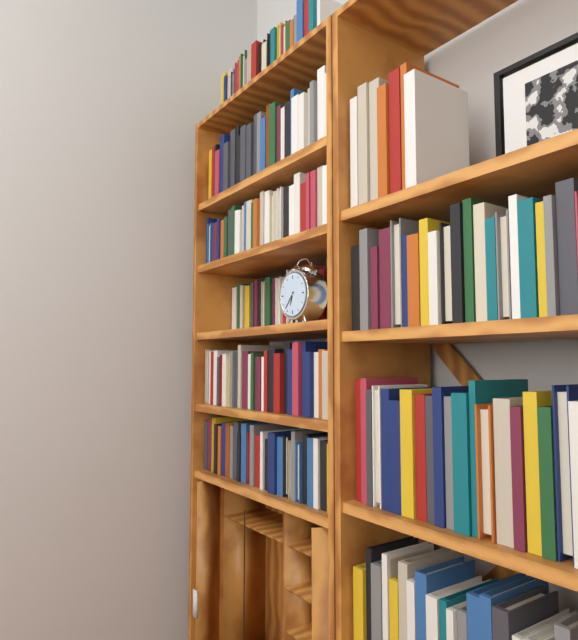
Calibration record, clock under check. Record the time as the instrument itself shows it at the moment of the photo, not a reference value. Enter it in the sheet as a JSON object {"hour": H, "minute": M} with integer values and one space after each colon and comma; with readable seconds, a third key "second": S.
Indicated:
{"hour": 6, "minute": 37}
